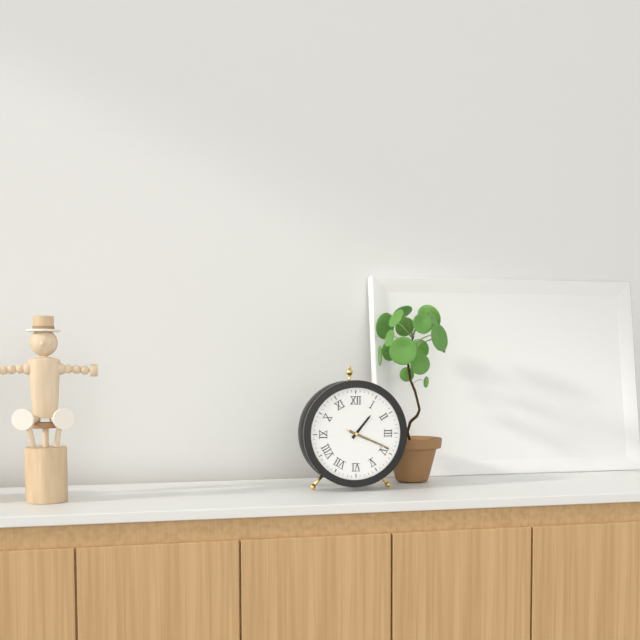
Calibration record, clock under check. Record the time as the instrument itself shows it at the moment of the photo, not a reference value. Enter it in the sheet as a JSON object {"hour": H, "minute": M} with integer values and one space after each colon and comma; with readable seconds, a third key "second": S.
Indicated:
{"hour": 1, "minute": 19, "second": 19}
